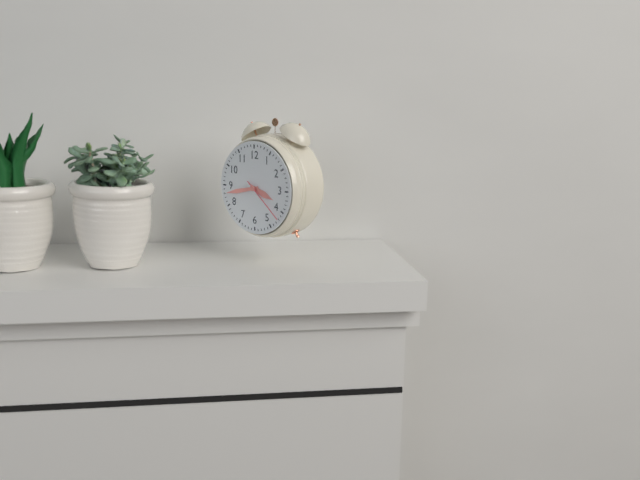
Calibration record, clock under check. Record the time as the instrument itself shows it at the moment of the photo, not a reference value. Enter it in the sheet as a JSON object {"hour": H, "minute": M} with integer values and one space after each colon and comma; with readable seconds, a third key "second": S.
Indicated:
{"hour": 3, "minute": 43}
